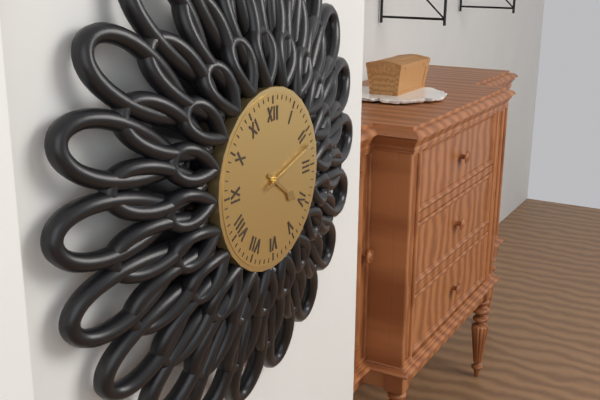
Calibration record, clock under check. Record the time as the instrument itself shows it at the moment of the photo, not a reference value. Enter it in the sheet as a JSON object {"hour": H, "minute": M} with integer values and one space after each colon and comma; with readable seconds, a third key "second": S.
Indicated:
{"hour": 4, "minute": 12}
